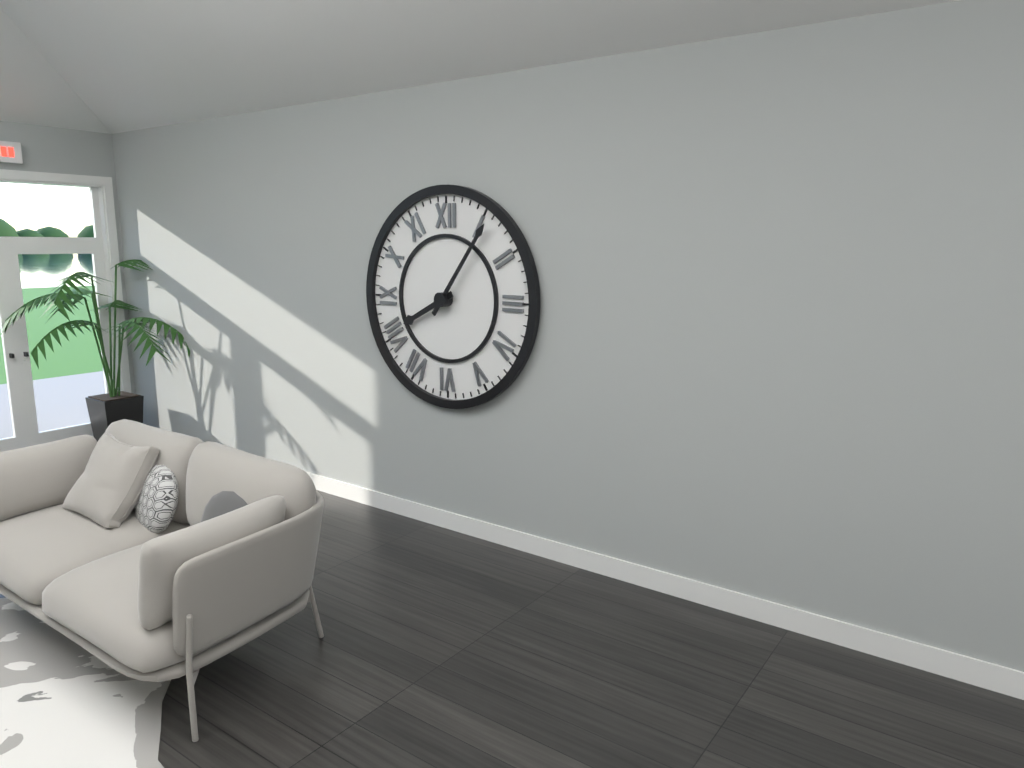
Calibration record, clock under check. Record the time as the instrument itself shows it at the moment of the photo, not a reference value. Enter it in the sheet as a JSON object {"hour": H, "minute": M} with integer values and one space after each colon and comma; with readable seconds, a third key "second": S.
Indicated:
{"hour": 8, "minute": 6}
